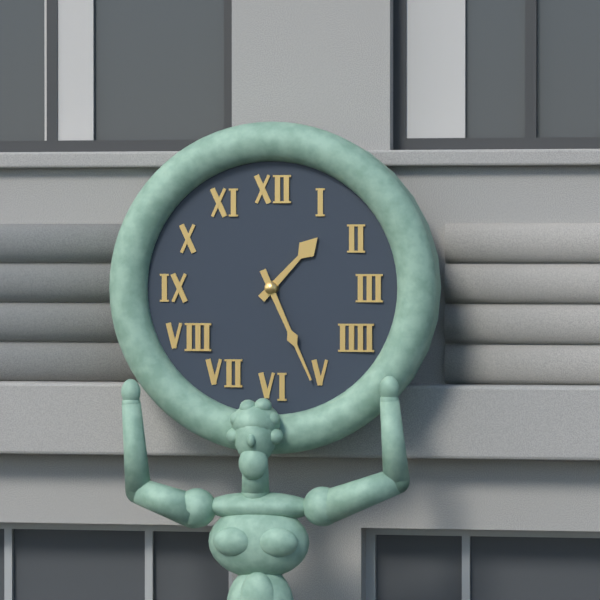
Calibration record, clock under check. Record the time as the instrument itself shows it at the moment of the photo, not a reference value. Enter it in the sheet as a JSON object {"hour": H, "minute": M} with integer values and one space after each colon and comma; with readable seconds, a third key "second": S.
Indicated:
{"hour": 1, "minute": 26}
